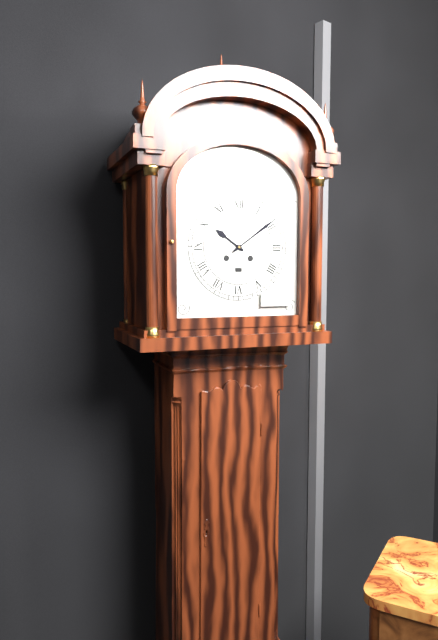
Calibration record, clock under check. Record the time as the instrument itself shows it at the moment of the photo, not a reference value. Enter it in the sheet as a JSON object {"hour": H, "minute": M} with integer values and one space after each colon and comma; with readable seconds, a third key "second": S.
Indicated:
{"hour": 10, "minute": 9}
